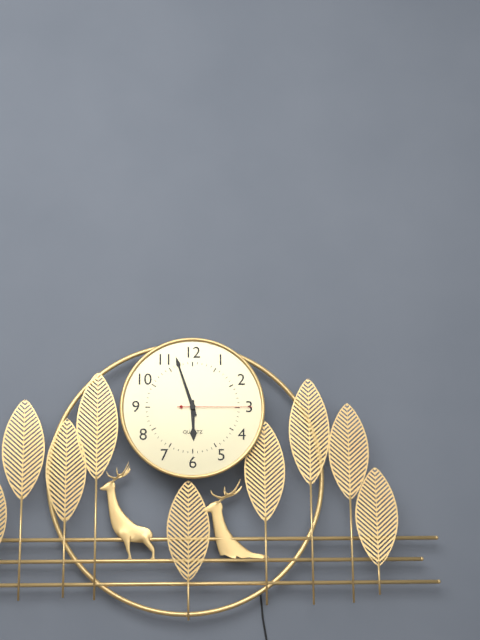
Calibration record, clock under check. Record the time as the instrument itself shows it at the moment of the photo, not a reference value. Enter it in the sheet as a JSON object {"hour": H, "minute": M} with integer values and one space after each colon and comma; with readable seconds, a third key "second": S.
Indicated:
{"hour": 5, "minute": 57, "second": 15}
